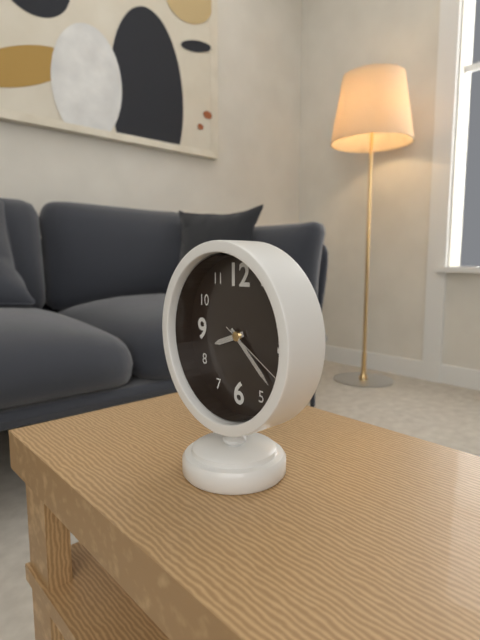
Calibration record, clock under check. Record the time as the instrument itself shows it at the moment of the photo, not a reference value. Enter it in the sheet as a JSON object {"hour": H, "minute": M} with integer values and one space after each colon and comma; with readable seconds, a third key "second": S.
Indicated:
{"hour": 8, "minute": 22, "second": 20}
